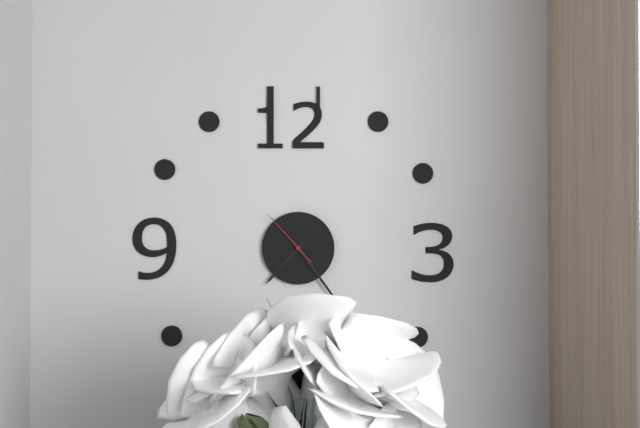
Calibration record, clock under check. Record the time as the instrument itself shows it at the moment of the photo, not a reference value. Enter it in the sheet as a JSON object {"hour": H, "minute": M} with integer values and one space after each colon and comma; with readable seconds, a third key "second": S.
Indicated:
{"hour": 7, "minute": 24, "second": 53}
